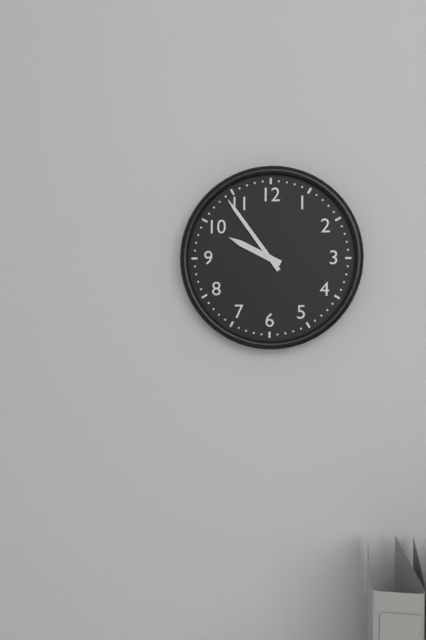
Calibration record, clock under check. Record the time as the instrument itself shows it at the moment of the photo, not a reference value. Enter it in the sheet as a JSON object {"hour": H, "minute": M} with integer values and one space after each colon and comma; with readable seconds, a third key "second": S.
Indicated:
{"hour": 9, "minute": 54}
